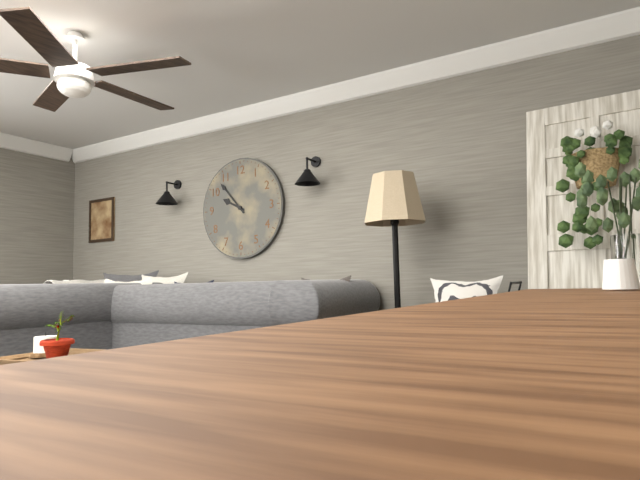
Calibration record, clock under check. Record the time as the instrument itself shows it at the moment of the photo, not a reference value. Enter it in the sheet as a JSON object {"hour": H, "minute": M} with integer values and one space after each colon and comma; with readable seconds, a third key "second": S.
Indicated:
{"hour": 9, "minute": 53}
